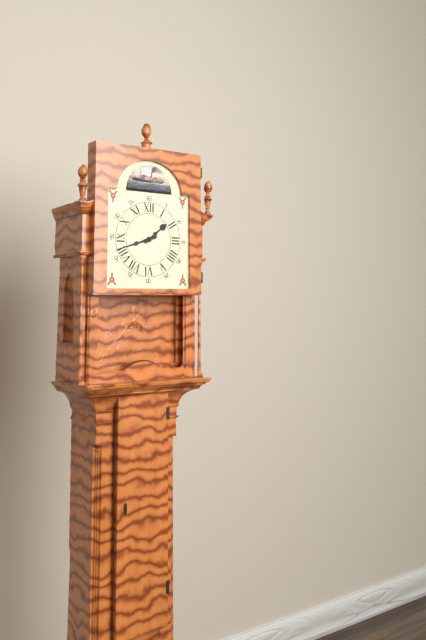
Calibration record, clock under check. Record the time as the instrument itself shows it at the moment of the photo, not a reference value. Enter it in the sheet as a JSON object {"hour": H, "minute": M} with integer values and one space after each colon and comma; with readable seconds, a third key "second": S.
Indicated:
{"hour": 1, "minute": 42}
